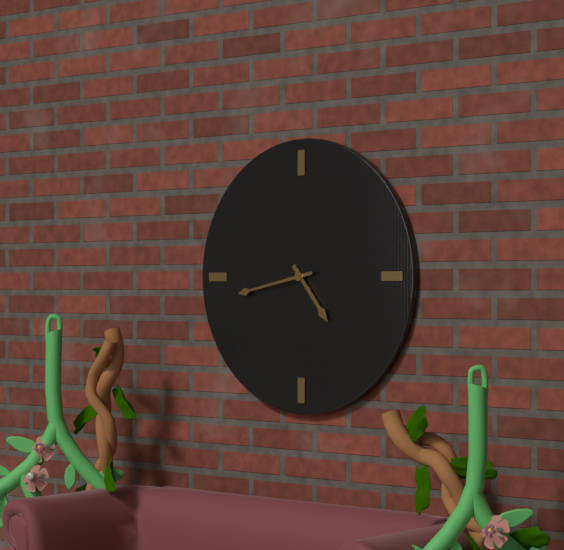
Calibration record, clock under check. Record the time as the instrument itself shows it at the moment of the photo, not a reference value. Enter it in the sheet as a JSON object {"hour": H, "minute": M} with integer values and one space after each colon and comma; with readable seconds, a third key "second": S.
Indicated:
{"hour": 4, "minute": 43}
